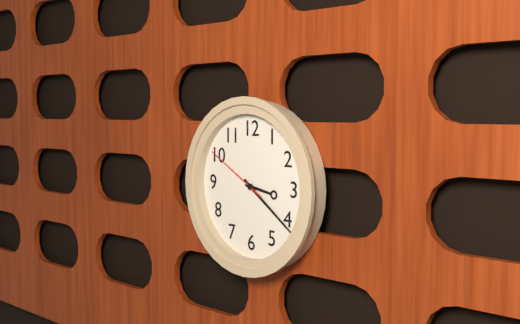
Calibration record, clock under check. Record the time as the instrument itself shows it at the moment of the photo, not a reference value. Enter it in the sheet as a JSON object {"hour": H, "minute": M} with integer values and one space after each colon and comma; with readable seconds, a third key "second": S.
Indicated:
{"hour": 3, "minute": 21, "second": 50}
